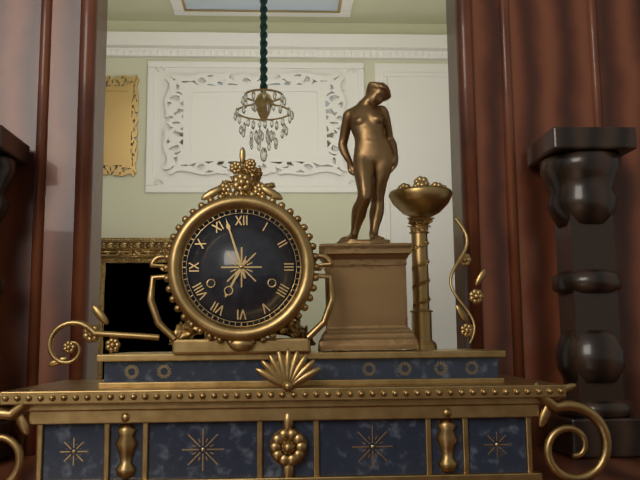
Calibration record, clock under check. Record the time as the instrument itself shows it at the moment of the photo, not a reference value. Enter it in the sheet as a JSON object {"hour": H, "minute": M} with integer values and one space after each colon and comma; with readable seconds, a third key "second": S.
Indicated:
{"hour": 6, "minute": 57}
